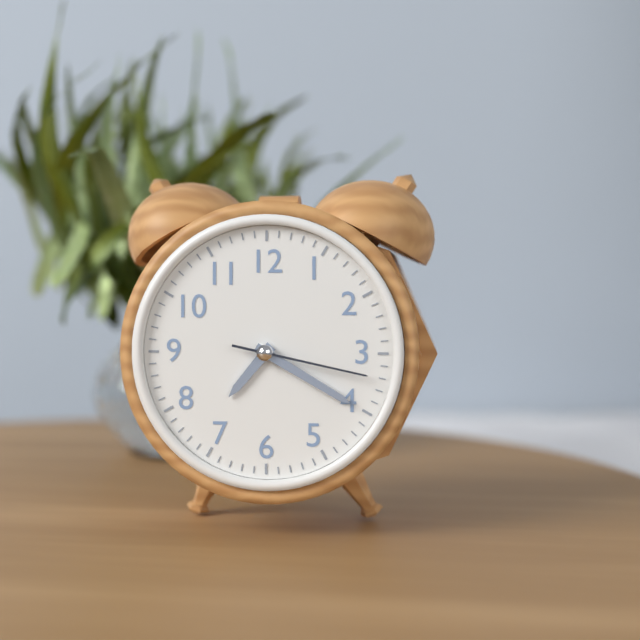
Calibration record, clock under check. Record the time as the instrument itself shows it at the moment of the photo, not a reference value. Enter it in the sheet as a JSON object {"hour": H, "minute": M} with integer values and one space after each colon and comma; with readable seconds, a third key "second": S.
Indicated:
{"hour": 7, "minute": 20, "second": 17}
